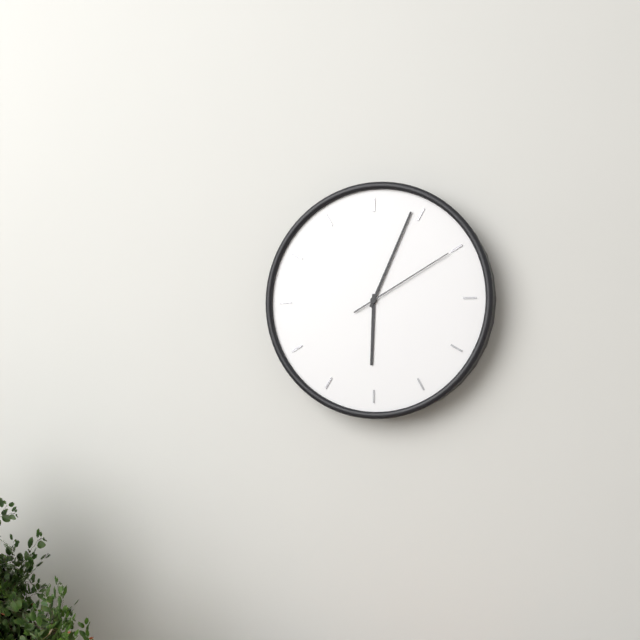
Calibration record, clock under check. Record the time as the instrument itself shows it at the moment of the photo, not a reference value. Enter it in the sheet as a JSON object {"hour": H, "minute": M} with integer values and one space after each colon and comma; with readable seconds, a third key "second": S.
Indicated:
{"hour": 6, "minute": 4, "second": 10}
